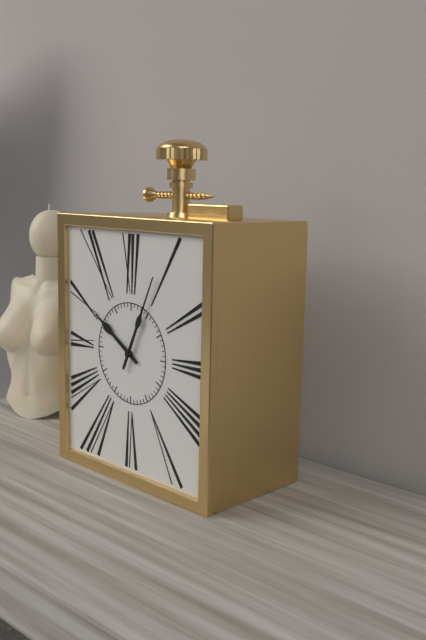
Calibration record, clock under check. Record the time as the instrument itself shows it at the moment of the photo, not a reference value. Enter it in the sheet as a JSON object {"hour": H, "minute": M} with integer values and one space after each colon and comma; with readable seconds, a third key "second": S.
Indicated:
{"hour": 10, "minute": 4}
